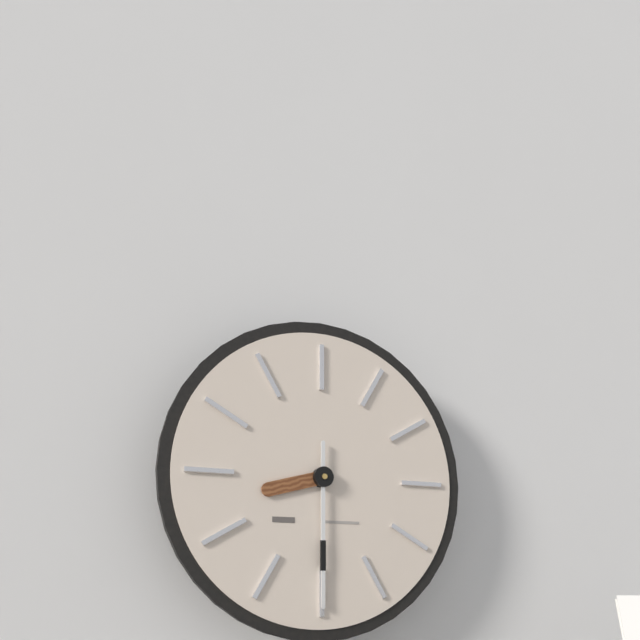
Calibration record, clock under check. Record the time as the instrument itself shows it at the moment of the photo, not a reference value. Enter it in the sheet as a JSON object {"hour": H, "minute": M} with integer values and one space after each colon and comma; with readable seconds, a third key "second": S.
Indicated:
{"hour": 8, "minute": 30}
